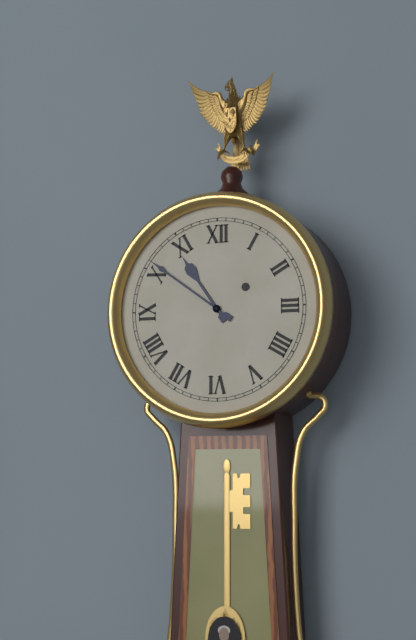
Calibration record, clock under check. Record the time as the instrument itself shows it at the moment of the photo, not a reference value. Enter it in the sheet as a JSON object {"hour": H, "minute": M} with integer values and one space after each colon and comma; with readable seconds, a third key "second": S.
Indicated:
{"hour": 10, "minute": 51}
